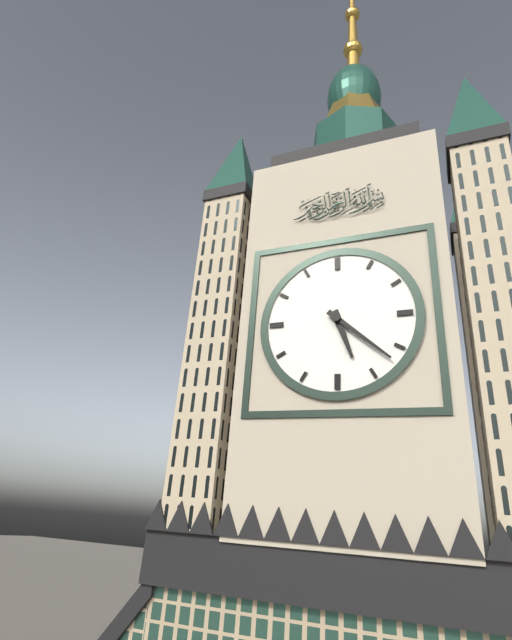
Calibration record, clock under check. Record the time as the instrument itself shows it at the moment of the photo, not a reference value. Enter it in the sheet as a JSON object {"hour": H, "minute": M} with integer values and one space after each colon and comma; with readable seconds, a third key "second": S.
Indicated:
{"hour": 5, "minute": 22}
